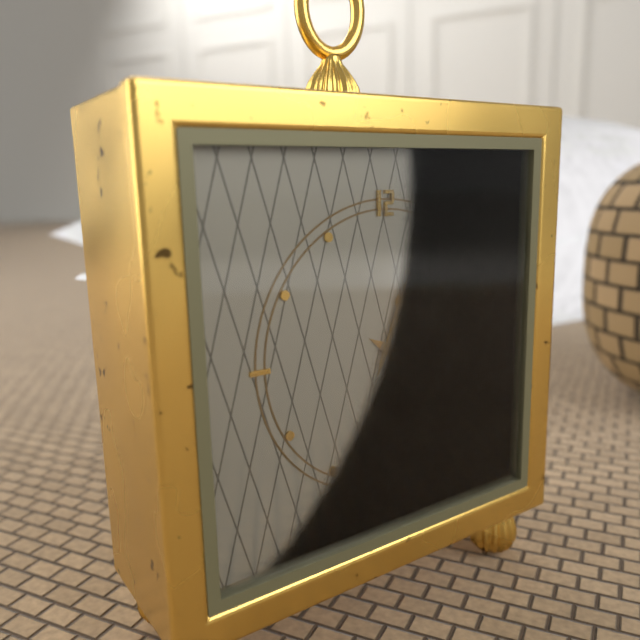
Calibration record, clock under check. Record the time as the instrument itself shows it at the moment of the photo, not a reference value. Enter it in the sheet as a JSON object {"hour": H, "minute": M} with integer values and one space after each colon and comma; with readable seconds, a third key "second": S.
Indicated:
{"hour": 4, "minute": 4}
